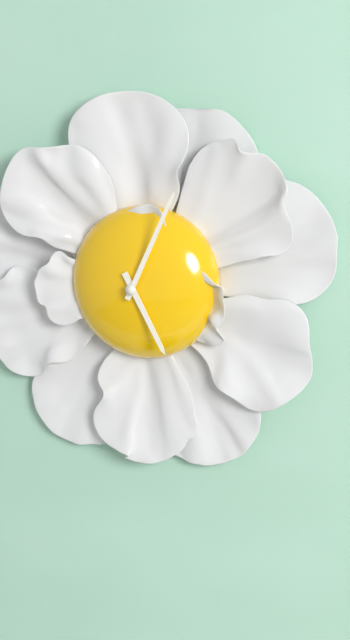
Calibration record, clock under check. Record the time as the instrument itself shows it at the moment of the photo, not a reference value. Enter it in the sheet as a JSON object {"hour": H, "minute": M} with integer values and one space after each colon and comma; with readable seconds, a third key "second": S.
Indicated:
{"hour": 5, "minute": 4}
